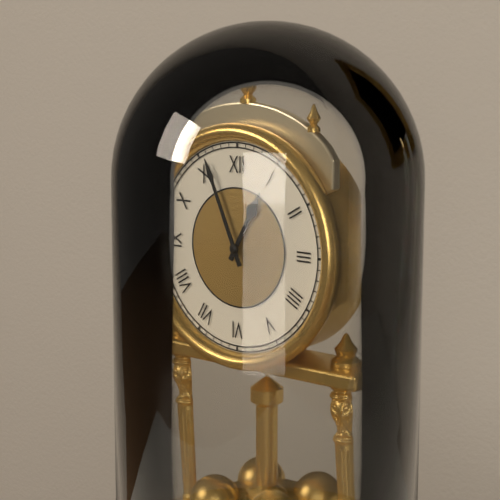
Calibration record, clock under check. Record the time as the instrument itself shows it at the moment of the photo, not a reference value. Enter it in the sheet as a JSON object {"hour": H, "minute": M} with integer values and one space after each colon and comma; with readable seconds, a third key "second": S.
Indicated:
{"hour": 12, "minute": 56}
